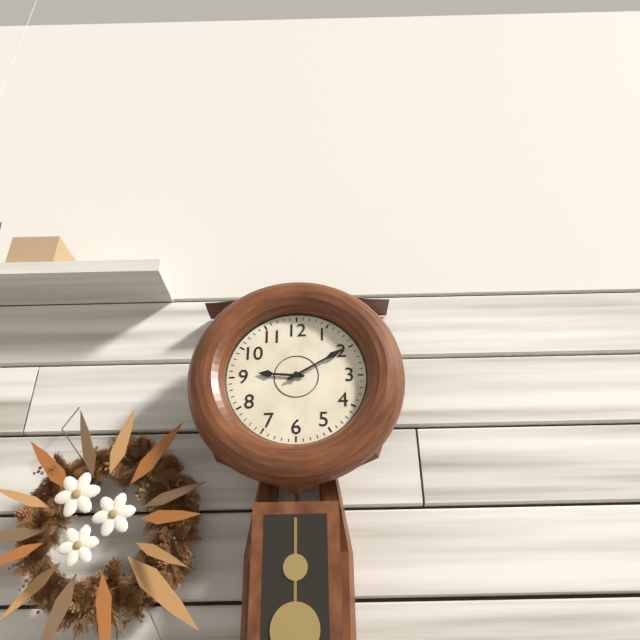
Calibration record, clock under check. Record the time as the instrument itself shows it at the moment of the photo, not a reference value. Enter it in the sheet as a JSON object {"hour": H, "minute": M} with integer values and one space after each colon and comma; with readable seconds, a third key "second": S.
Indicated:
{"hour": 9, "minute": 10}
